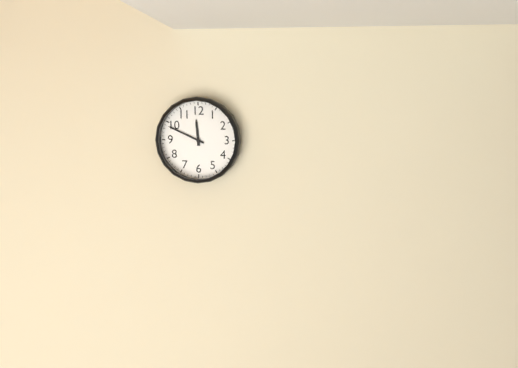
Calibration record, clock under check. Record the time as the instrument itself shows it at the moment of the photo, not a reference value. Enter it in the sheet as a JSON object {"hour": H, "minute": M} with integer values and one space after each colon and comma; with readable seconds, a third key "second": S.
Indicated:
{"hour": 11, "minute": 49}
